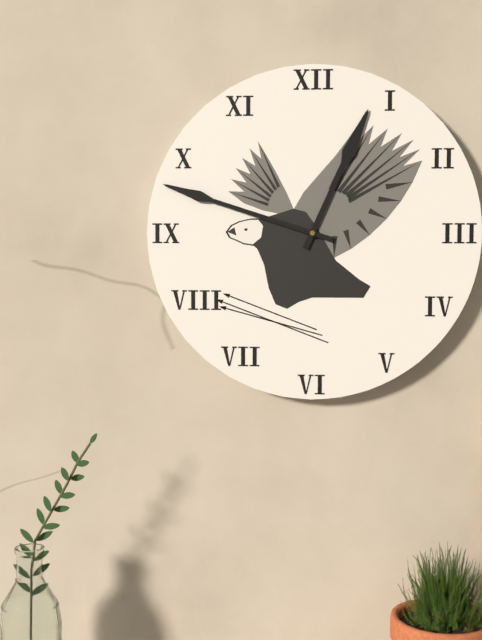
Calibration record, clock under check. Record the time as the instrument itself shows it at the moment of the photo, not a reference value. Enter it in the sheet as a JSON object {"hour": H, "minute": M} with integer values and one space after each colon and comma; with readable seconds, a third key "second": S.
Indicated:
{"hour": 12, "minute": 48}
